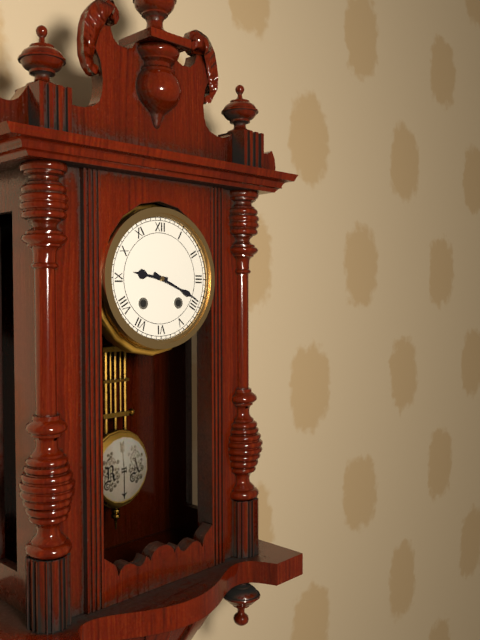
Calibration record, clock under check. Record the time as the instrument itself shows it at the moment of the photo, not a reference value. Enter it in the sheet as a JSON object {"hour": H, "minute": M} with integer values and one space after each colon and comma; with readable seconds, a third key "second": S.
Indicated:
{"hour": 9, "minute": 19}
